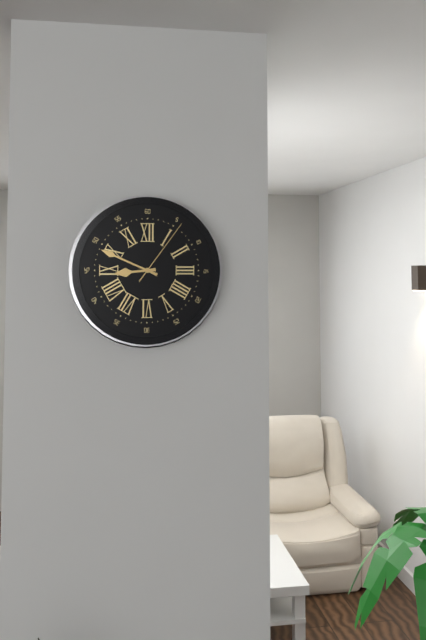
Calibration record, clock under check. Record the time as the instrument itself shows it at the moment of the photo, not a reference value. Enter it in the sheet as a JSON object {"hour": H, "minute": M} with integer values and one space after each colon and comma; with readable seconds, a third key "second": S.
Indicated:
{"hour": 8, "minute": 49, "second": 6}
